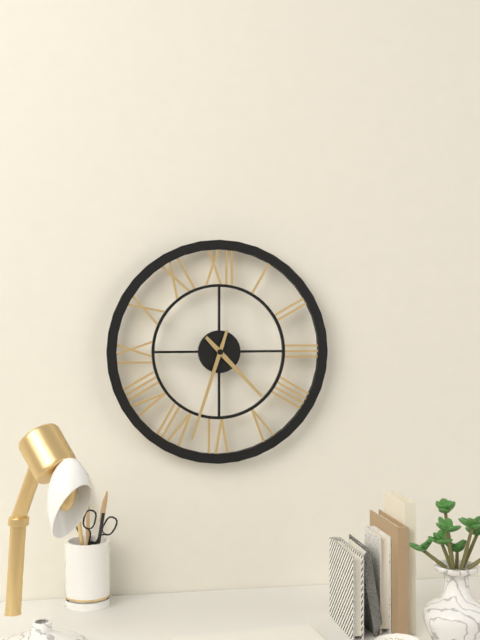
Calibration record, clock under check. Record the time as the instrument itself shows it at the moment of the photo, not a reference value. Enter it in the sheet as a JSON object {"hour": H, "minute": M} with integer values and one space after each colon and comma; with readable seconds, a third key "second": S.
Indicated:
{"hour": 4, "minute": 33}
